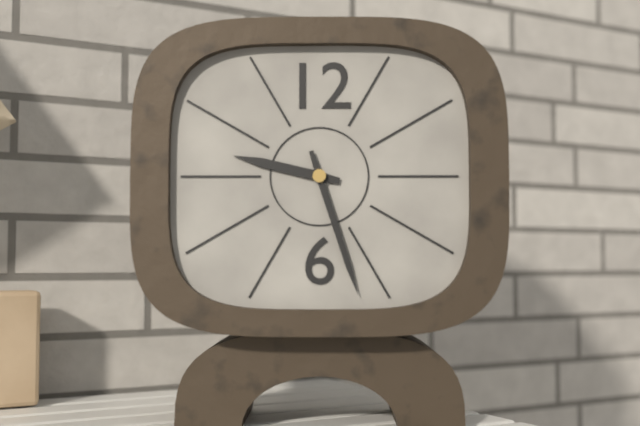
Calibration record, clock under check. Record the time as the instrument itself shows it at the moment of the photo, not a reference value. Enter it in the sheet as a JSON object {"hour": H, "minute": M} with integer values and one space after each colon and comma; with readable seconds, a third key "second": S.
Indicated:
{"hour": 9, "minute": 27}
